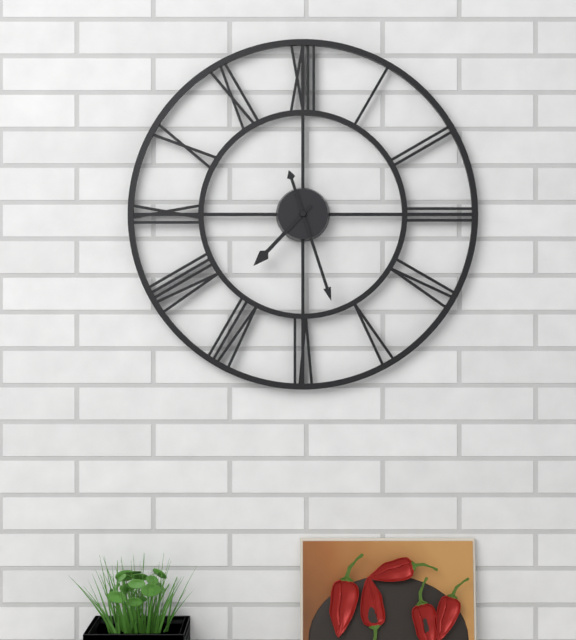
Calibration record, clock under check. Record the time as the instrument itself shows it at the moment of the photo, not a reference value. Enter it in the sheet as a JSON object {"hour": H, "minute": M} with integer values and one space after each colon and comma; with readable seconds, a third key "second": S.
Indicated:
{"hour": 7, "minute": 27}
